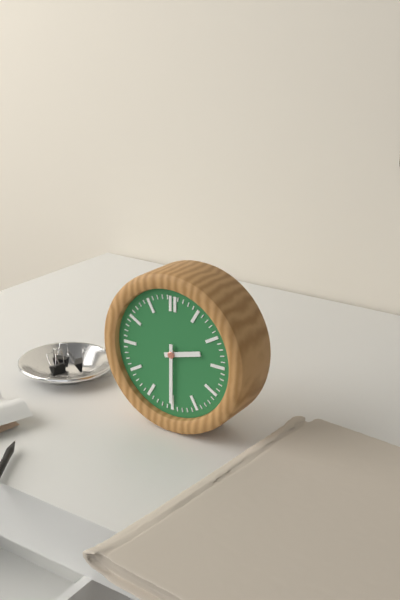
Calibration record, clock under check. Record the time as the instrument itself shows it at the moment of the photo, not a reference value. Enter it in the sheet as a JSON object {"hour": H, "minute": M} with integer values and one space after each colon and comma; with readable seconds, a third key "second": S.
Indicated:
{"hour": 2, "minute": 30}
